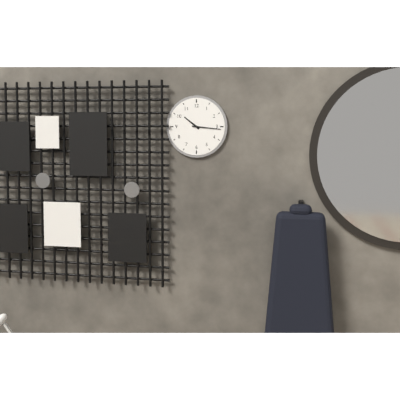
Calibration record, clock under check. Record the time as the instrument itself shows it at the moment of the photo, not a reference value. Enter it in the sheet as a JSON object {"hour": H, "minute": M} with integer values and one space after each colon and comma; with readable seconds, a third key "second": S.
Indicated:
{"hour": 10, "minute": 16}
